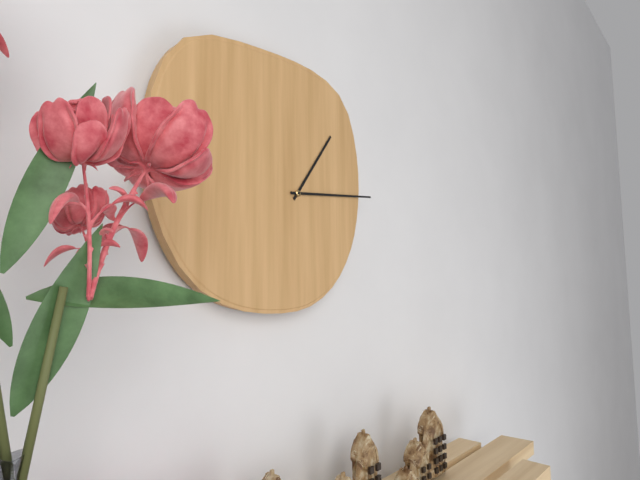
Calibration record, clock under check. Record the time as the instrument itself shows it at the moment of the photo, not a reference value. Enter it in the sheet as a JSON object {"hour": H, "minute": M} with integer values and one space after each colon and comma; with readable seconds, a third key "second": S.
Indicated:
{"hour": 1, "minute": 14}
